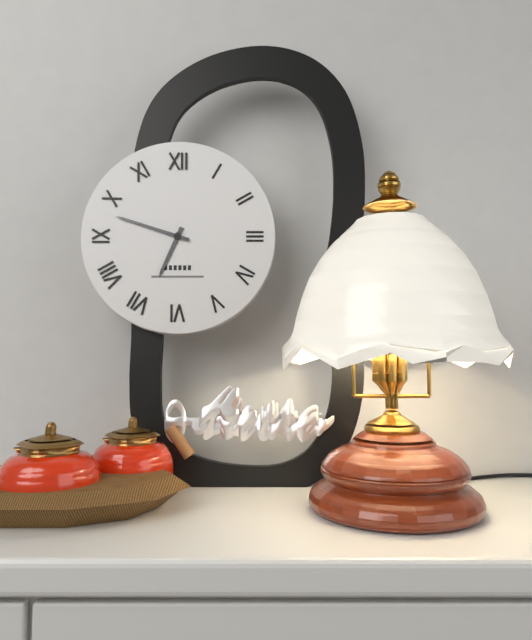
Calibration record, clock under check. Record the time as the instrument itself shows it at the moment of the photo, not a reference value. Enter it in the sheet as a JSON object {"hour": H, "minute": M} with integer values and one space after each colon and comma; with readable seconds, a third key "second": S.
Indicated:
{"hour": 6, "minute": 48}
